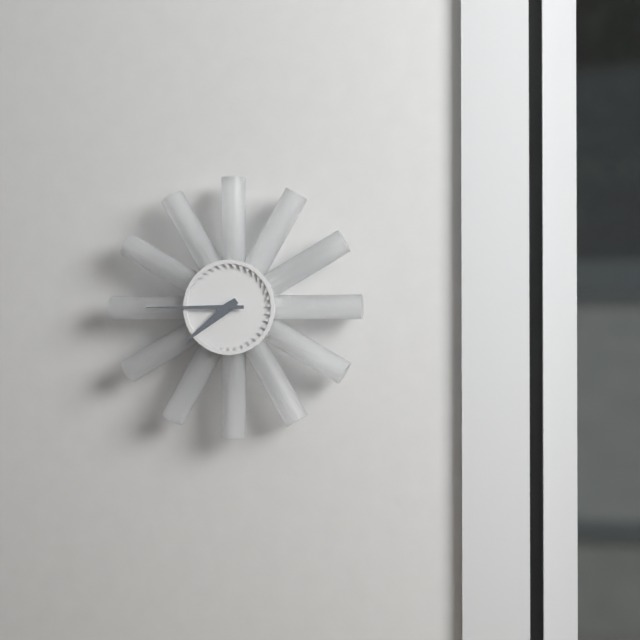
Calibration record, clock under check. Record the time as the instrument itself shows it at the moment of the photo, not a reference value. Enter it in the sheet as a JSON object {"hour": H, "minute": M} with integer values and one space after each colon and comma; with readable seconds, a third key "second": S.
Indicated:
{"hour": 7, "minute": 45}
